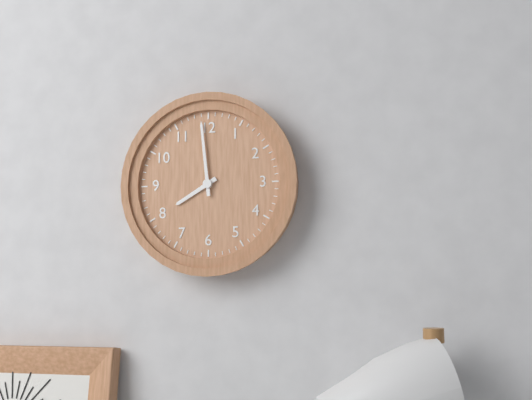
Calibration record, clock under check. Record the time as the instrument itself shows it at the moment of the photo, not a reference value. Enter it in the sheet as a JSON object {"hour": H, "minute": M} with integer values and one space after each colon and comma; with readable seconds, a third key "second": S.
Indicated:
{"hour": 7, "minute": 59}
